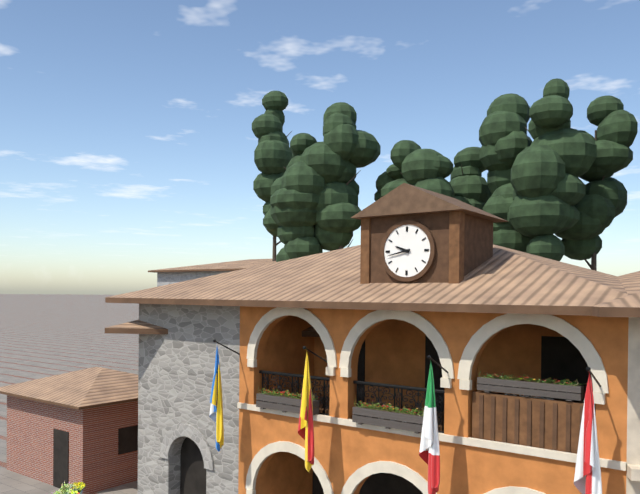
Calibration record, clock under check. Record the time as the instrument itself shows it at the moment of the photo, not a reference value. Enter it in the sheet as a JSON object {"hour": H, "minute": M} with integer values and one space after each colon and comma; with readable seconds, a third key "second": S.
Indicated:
{"hour": 9, "minute": 43}
